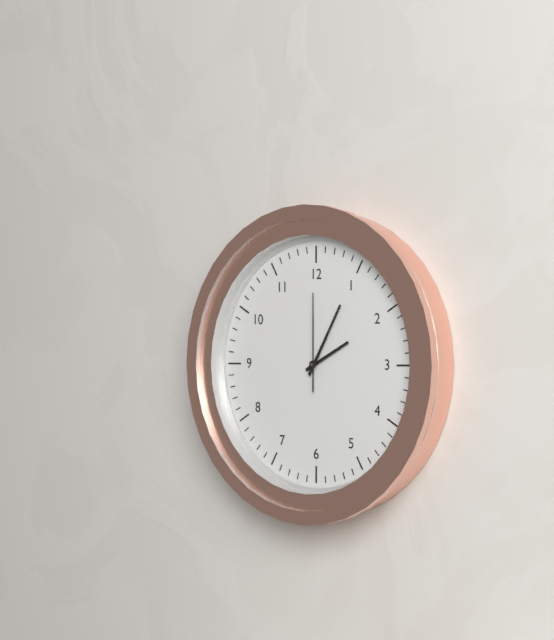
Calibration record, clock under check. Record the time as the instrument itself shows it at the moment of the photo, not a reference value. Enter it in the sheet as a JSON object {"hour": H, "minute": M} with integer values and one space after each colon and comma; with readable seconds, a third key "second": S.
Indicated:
{"hour": 2, "minute": 5, "second": 0}
